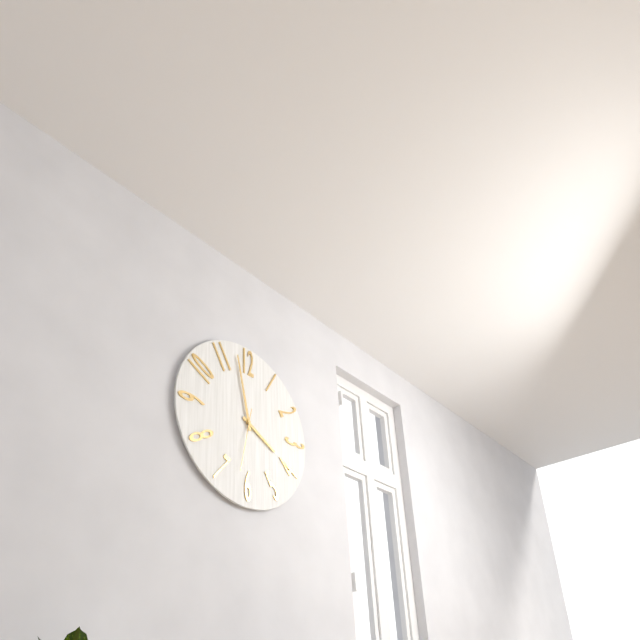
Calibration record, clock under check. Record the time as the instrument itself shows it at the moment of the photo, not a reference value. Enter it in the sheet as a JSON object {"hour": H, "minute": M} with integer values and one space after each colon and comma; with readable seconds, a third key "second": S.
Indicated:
{"hour": 3, "minute": 58, "second": 32}
